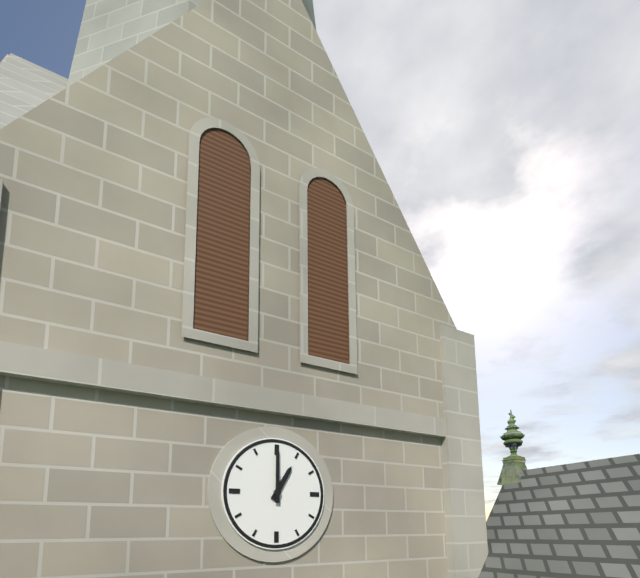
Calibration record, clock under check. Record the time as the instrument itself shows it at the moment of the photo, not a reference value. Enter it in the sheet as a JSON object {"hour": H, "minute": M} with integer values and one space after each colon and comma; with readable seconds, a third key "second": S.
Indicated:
{"hour": 1, "minute": 0}
